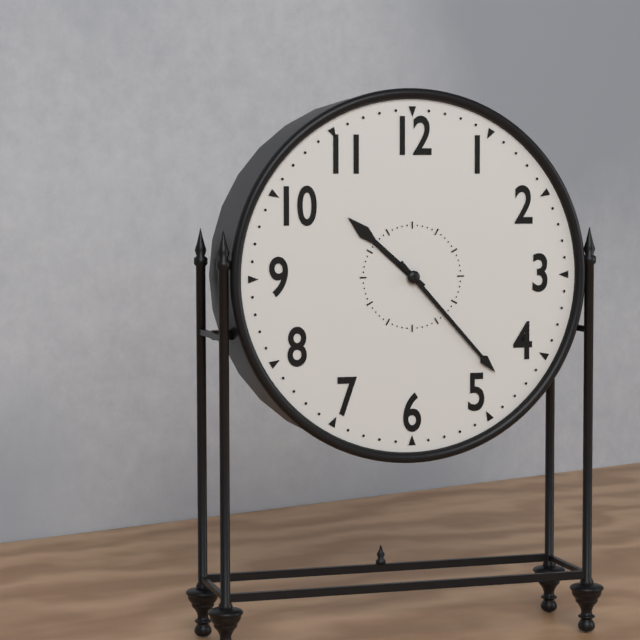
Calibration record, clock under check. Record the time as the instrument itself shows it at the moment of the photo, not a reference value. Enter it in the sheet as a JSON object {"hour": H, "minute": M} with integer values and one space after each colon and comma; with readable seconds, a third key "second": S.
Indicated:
{"hour": 10, "minute": 23}
